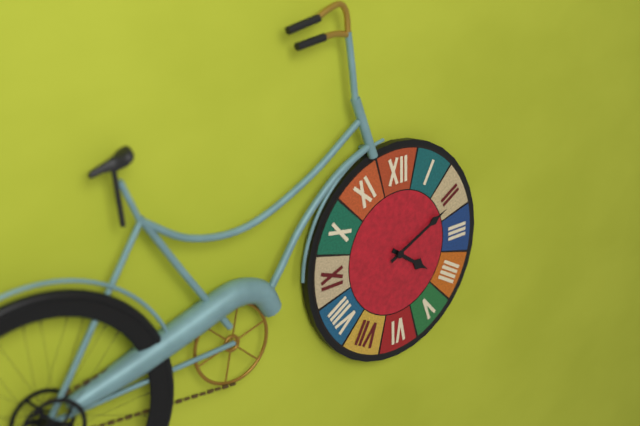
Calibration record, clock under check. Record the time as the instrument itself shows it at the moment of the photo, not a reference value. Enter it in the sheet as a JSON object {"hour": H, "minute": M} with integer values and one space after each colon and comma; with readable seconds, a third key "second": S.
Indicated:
{"hour": 4, "minute": 11}
